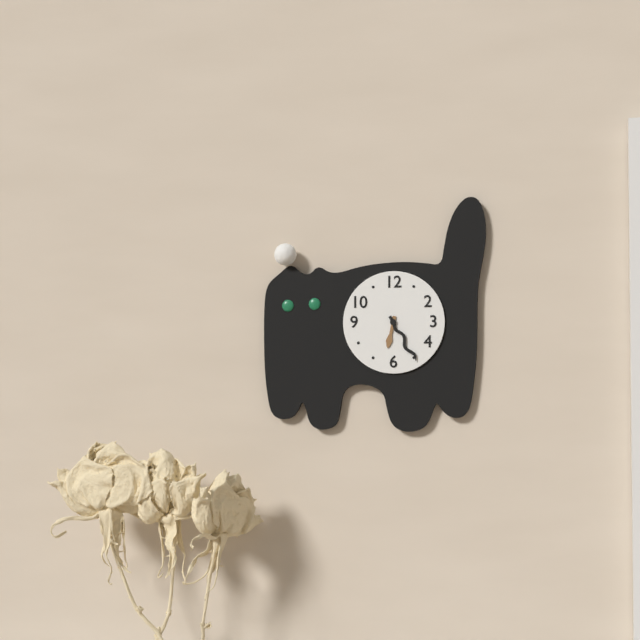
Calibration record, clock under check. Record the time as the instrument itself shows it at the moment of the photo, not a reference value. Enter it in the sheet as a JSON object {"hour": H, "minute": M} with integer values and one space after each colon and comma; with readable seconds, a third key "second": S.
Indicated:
{"hour": 6, "minute": 25}
